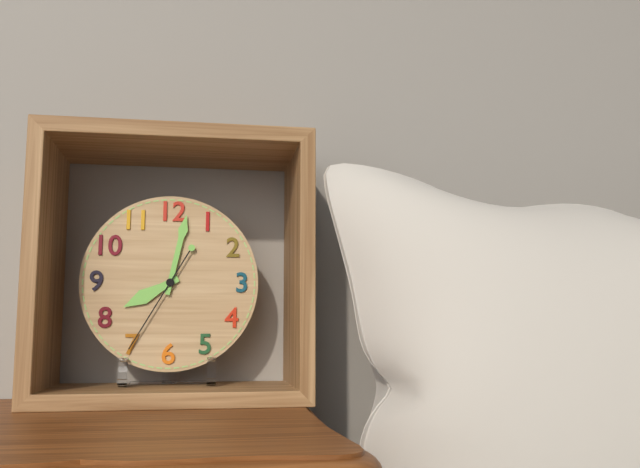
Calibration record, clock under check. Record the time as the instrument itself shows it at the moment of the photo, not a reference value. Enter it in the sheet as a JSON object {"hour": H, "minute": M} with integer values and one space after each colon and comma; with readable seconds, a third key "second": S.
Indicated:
{"hour": 8, "minute": 2, "second": 35}
